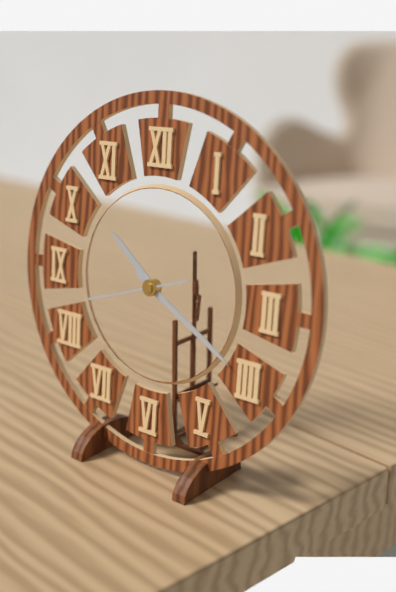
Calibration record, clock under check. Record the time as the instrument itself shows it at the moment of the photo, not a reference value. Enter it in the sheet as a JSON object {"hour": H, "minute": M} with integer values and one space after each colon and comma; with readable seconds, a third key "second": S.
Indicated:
{"hour": 10, "minute": 20, "second": 42}
